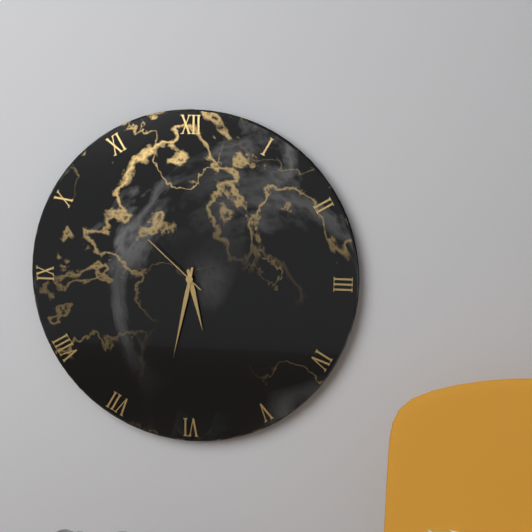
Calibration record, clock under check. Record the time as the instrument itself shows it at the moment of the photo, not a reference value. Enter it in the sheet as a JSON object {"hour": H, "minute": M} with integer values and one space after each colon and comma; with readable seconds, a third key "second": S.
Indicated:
{"hour": 5, "minute": 32, "second": 52}
